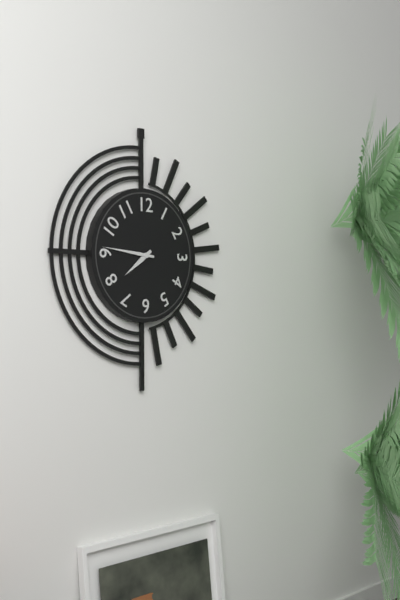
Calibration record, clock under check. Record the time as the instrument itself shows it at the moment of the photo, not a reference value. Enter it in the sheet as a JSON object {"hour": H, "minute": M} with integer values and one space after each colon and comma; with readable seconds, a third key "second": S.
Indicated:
{"hour": 7, "minute": 46}
